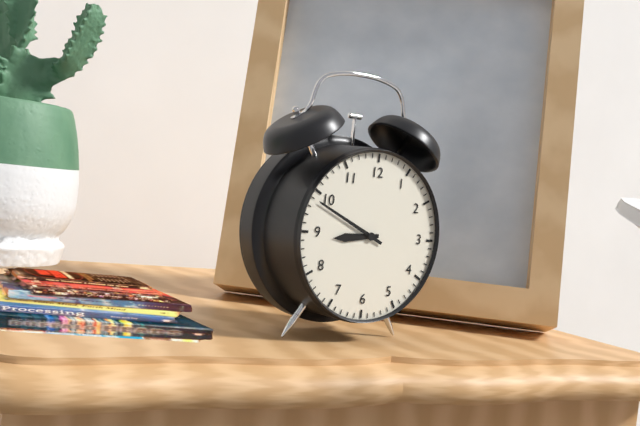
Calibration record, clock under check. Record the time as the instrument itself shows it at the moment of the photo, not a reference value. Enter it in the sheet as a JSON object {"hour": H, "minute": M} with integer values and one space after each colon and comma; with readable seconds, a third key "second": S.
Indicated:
{"hour": 8, "minute": 49}
